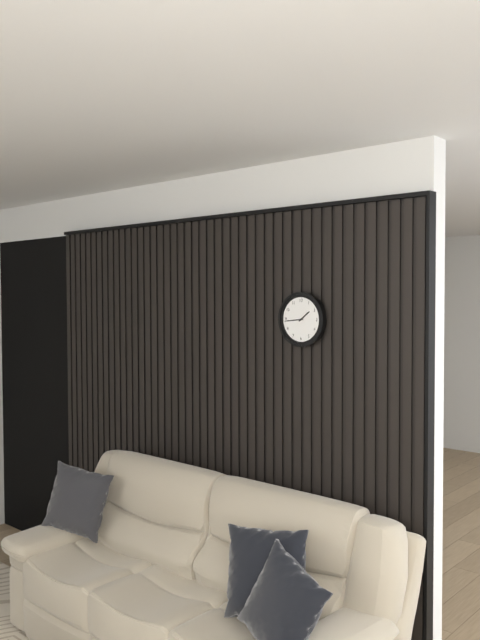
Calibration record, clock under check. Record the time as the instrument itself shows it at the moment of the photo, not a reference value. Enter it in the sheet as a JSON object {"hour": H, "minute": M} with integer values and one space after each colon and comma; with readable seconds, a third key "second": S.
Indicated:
{"hour": 1, "minute": 44}
